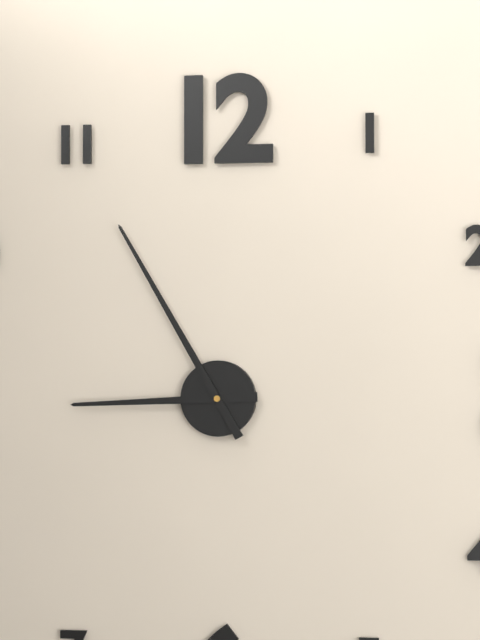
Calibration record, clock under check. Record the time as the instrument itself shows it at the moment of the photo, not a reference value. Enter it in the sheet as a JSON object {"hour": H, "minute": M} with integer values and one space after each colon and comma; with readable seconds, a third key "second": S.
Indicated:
{"hour": 8, "minute": 55}
